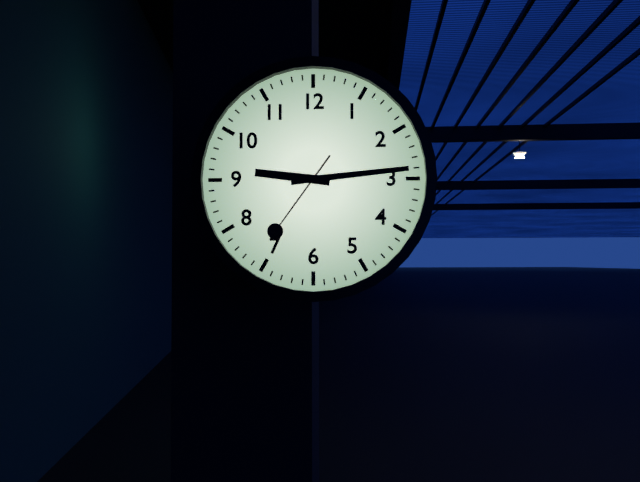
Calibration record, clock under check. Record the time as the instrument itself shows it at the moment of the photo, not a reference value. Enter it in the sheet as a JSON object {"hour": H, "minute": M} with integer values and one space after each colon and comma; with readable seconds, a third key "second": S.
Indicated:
{"hour": 9, "minute": 14, "second": 36}
